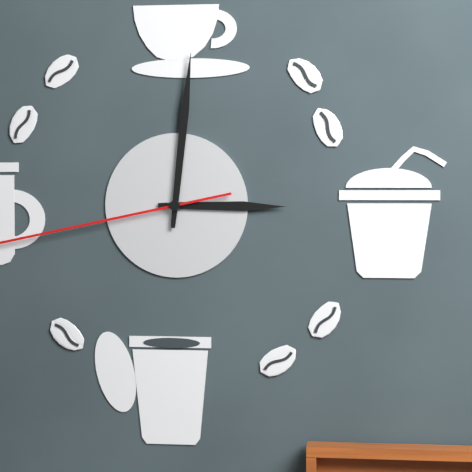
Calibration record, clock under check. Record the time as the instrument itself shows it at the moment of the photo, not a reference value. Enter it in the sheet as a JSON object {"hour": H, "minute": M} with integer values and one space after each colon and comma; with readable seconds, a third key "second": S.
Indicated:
{"hour": 3, "minute": 1}
